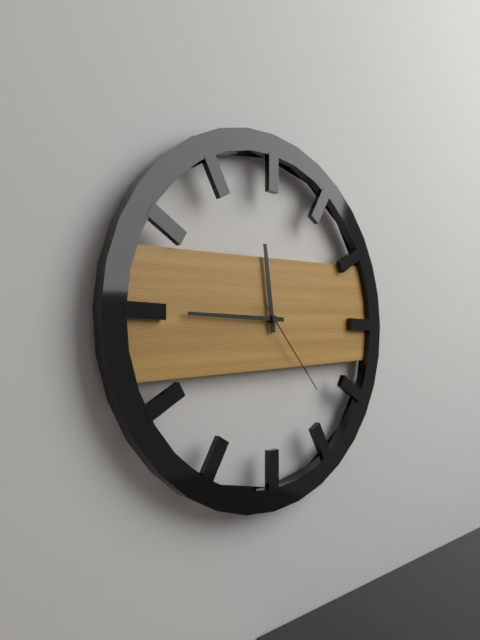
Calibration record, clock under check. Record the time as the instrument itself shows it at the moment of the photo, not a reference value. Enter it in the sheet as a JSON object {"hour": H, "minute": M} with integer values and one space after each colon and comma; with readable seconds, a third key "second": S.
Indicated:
{"hour": 11, "minute": 45, "second": 23}
